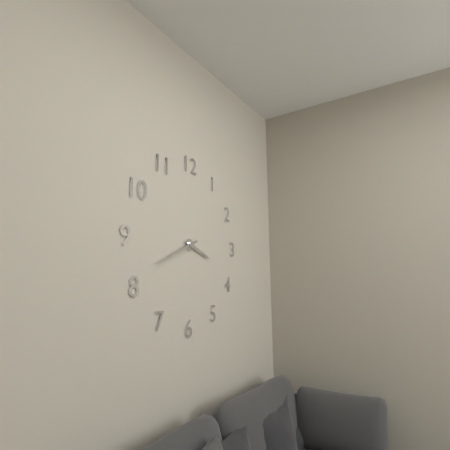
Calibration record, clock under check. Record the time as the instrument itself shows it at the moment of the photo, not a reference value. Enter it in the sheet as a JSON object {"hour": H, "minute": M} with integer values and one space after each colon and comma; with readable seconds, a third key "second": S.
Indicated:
{"hour": 3, "minute": 41}
